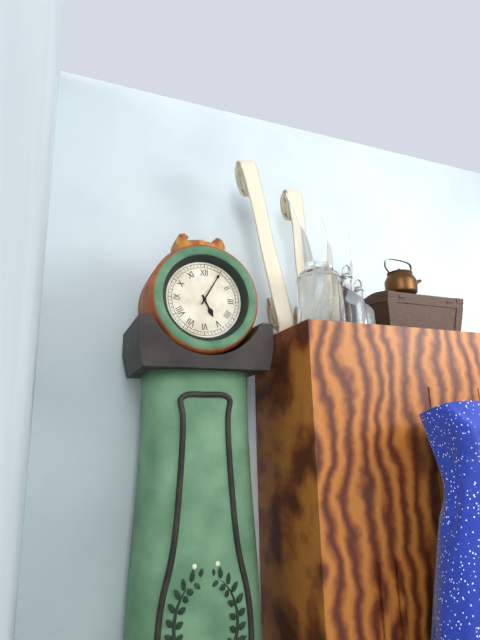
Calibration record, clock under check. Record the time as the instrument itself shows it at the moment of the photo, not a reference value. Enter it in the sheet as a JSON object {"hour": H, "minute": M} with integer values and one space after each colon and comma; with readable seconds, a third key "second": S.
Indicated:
{"hour": 5, "minute": 5}
